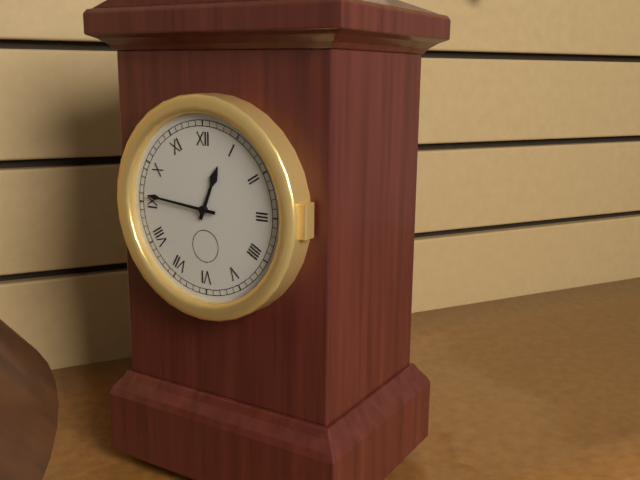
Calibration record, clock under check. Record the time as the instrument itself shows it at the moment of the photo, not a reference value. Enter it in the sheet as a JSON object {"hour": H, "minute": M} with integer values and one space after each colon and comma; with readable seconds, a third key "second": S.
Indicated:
{"hour": 12, "minute": 46}
